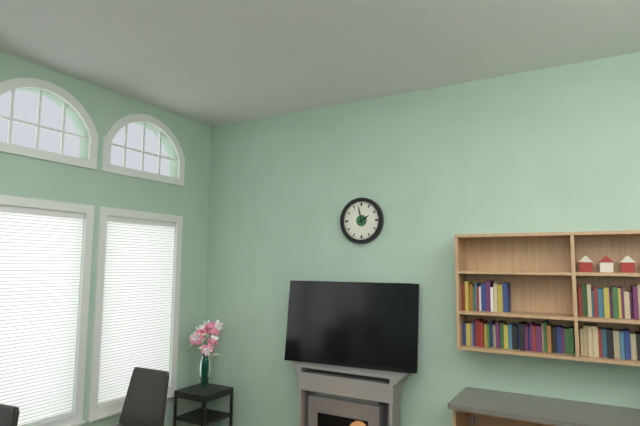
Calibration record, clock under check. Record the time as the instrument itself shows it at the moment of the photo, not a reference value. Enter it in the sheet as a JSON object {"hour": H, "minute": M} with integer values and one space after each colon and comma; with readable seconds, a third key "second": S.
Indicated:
{"hour": 1, "minute": 58}
